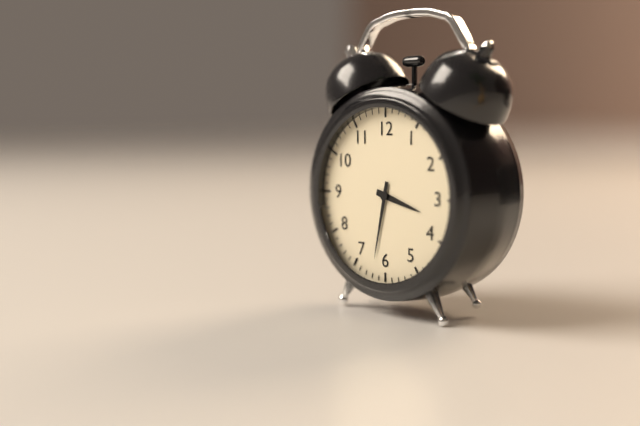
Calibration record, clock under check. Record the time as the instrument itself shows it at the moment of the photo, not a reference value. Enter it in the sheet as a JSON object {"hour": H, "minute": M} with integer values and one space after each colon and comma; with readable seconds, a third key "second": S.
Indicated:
{"hour": 3, "minute": 32}
